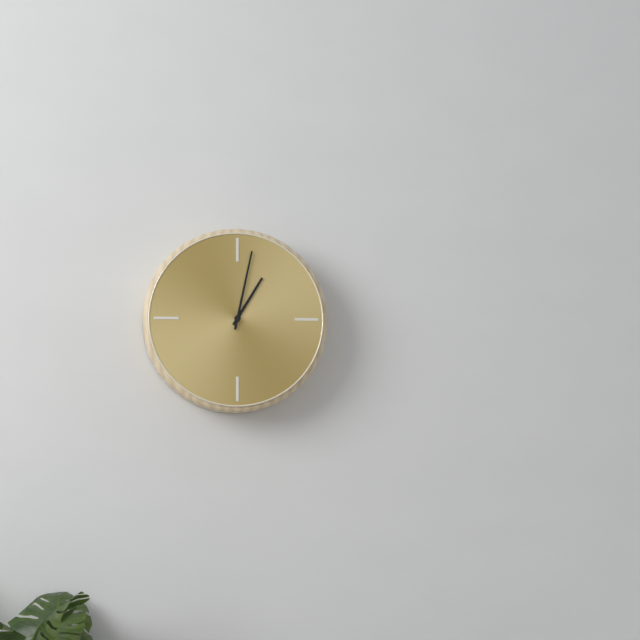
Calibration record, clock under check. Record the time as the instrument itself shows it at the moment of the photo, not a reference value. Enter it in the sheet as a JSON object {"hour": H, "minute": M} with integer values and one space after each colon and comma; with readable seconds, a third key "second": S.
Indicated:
{"hour": 1, "minute": 2}
